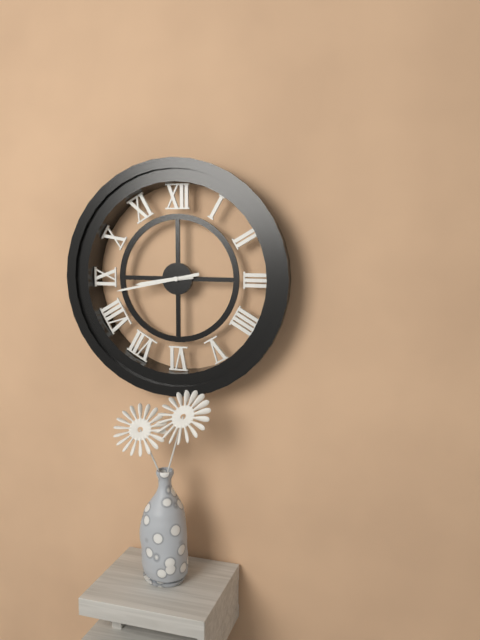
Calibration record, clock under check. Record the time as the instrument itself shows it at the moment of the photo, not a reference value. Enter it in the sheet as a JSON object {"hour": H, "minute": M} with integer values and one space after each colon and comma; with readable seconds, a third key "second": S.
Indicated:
{"hour": 8, "minute": 43}
